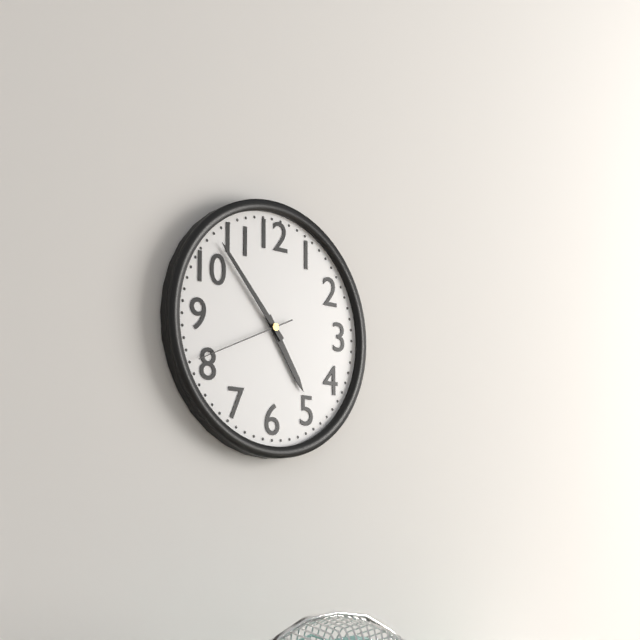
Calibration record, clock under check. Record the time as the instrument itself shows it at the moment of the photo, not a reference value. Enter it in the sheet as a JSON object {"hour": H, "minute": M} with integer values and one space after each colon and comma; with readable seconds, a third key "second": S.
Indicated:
{"hour": 4, "minute": 53, "second": 41}
